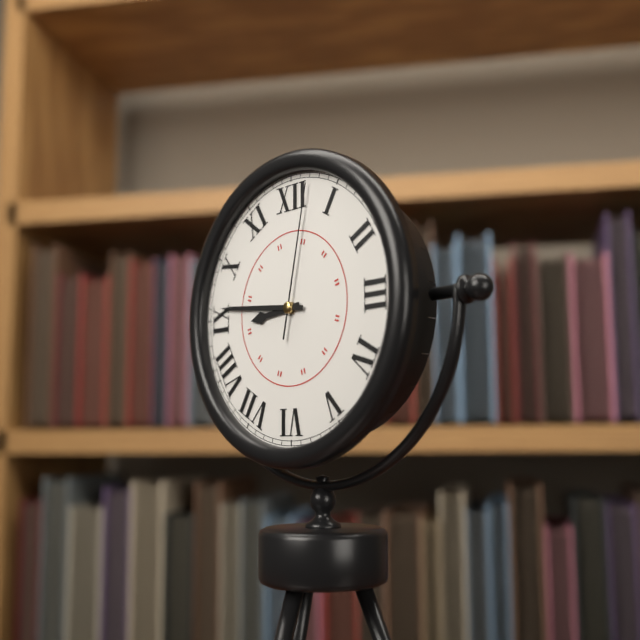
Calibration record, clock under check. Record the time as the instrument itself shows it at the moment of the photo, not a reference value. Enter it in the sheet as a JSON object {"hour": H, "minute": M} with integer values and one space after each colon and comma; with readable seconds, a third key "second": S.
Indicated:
{"hour": 8, "minute": 46, "second": 2}
